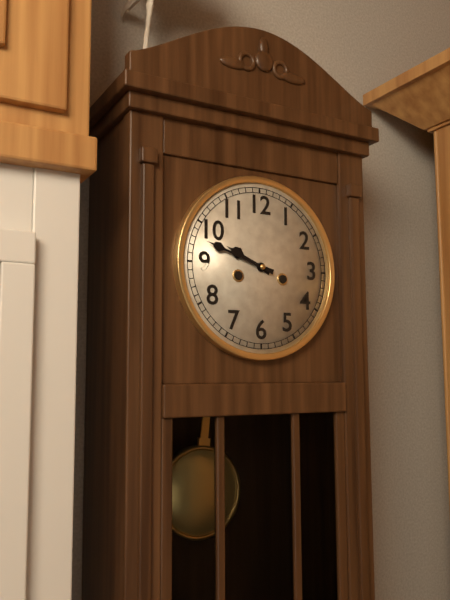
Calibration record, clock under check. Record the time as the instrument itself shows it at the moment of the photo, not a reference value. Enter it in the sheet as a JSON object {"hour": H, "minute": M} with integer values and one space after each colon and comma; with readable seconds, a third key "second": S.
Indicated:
{"hour": 9, "minute": 48}
